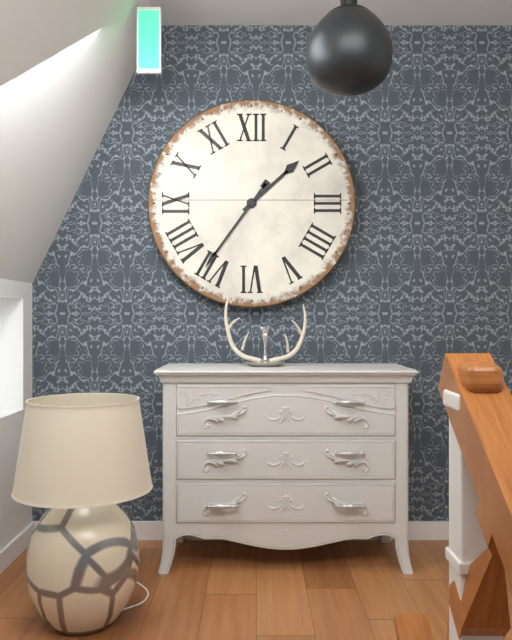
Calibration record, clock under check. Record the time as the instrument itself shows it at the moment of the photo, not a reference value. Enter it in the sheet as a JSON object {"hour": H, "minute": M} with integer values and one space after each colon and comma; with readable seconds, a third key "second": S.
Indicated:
{"hour": 1, "minute": 36}
